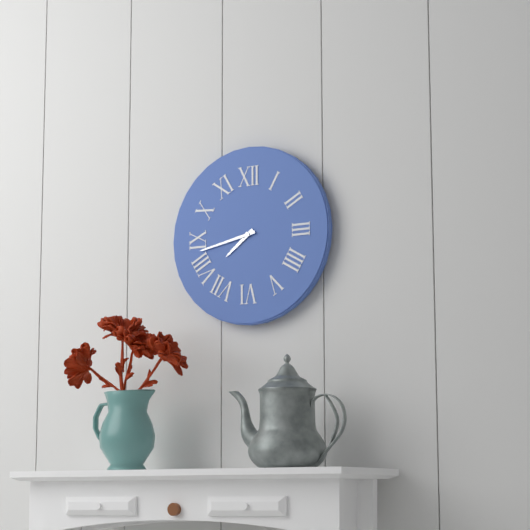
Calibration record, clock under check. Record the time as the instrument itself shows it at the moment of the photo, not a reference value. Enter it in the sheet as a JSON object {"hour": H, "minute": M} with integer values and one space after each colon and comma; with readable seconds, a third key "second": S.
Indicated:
{"hour": 7, "minute": 43}
